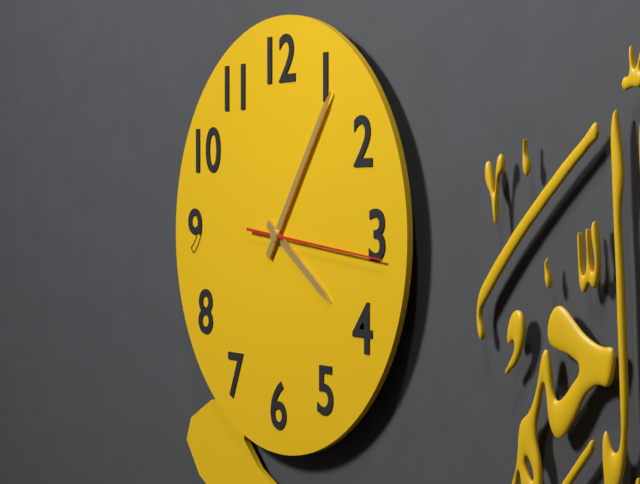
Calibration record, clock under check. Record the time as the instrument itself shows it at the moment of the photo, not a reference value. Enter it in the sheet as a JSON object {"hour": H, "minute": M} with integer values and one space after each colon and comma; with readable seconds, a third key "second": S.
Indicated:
{"hour": 4, "minute": 6, "second": 16}
